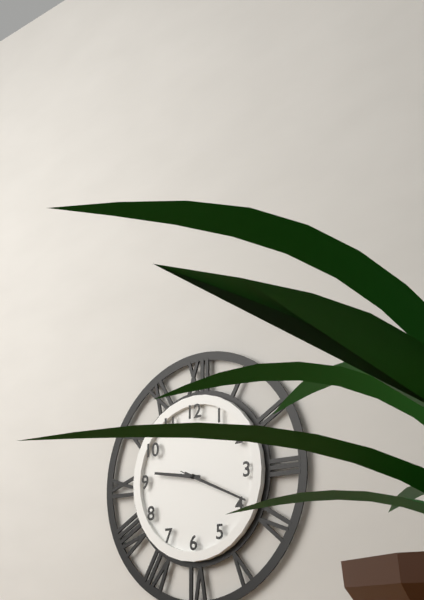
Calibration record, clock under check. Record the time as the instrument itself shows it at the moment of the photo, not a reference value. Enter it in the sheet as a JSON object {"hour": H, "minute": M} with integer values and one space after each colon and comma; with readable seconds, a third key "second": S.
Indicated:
{"hour": 9, "minute": 19, "second": 19}
